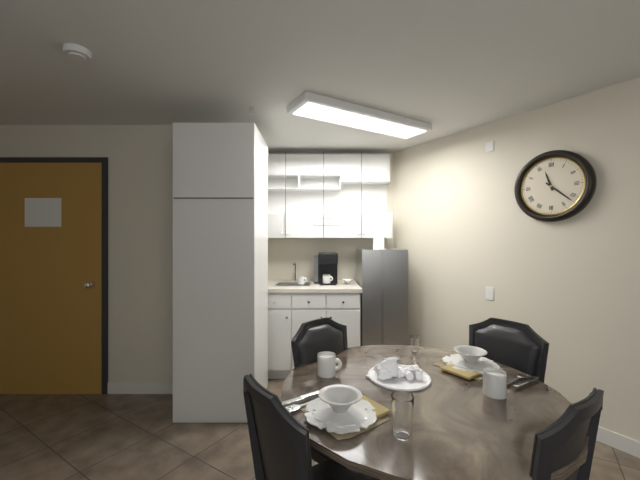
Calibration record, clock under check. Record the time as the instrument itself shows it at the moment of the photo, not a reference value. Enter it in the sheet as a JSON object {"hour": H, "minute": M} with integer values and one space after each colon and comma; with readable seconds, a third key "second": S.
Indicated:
{"hour": 11, "minute": 22}
